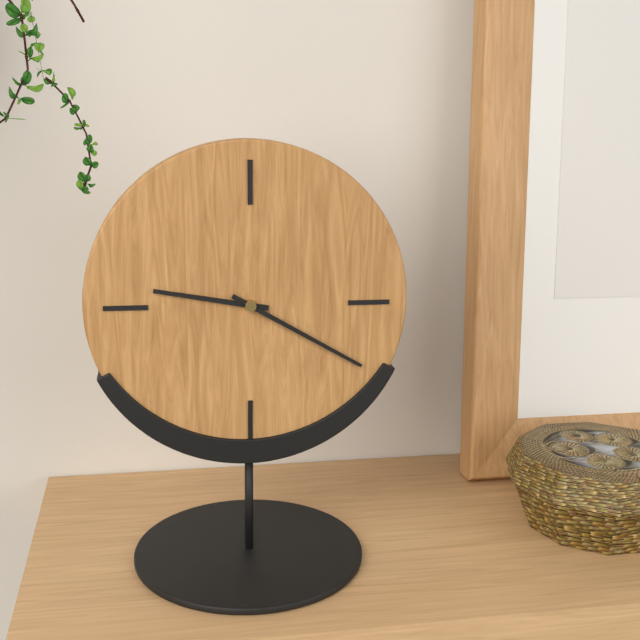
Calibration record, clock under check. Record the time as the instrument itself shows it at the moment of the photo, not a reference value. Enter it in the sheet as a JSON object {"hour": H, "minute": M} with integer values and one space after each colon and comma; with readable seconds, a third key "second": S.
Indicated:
{"hour": 9, "minute": 20}
